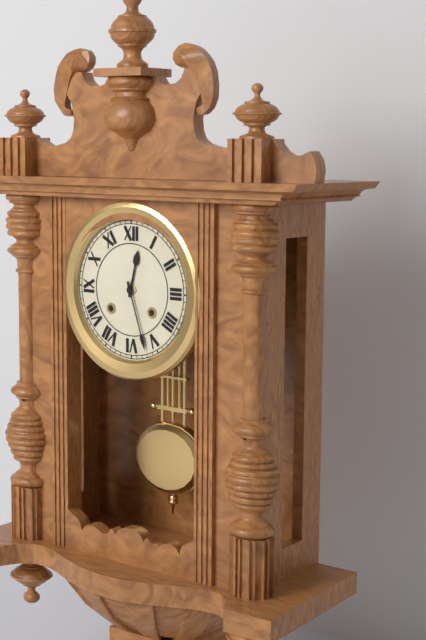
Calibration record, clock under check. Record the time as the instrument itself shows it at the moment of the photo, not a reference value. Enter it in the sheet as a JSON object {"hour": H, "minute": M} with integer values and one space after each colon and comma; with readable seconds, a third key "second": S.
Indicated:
{"hour": 12, "minute": 27}
